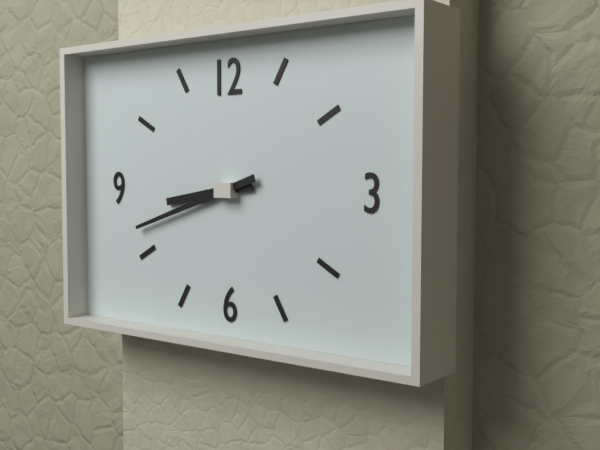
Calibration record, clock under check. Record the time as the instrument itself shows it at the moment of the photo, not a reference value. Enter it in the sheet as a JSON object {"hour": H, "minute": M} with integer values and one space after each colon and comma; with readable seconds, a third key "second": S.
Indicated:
{"hour": 8, "minute": 42}
